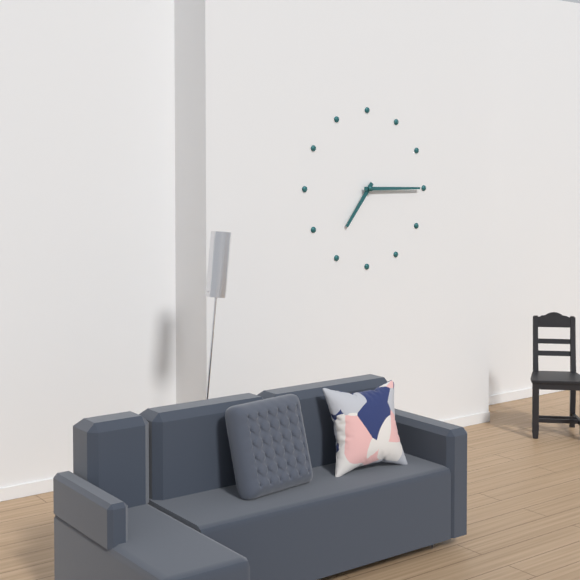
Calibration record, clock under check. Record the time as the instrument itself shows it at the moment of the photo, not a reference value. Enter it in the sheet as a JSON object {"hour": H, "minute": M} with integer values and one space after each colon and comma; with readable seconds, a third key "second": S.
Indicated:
{"hour": 7, "minute": 15}
